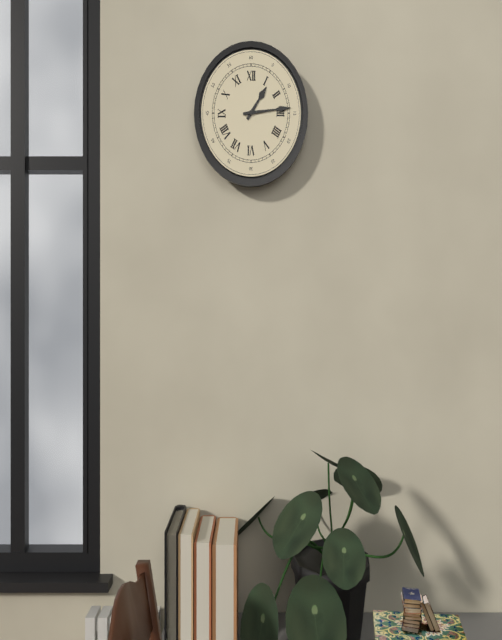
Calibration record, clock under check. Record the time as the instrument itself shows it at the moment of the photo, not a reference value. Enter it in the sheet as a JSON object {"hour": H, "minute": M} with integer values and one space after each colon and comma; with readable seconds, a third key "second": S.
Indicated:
{"hour": 1, "minute": 14}
